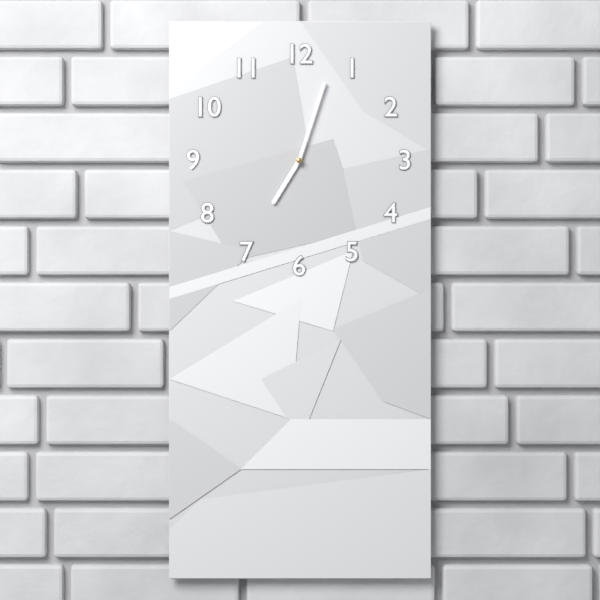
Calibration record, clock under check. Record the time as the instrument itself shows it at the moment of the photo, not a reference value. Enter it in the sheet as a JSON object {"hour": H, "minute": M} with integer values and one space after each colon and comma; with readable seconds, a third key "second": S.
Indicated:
{"hour": 7, "minute": 3}
